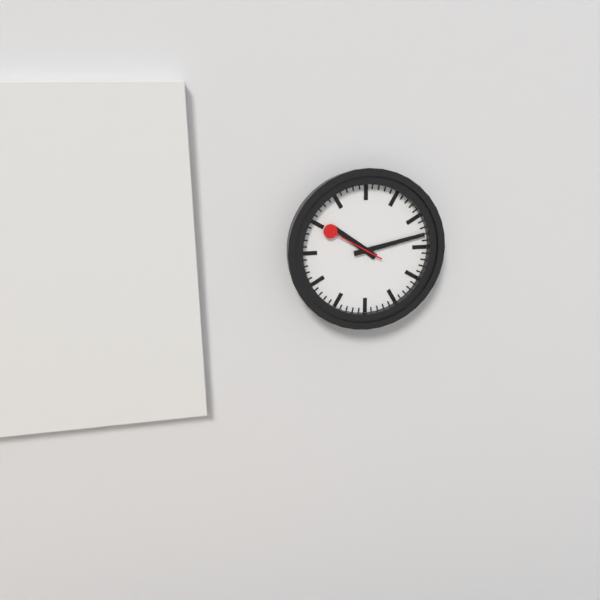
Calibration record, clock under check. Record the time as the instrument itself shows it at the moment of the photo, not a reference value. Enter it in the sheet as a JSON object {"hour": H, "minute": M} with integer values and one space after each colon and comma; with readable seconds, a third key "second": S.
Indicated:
{"hour": 10, "minute": 13, "second": 50}
